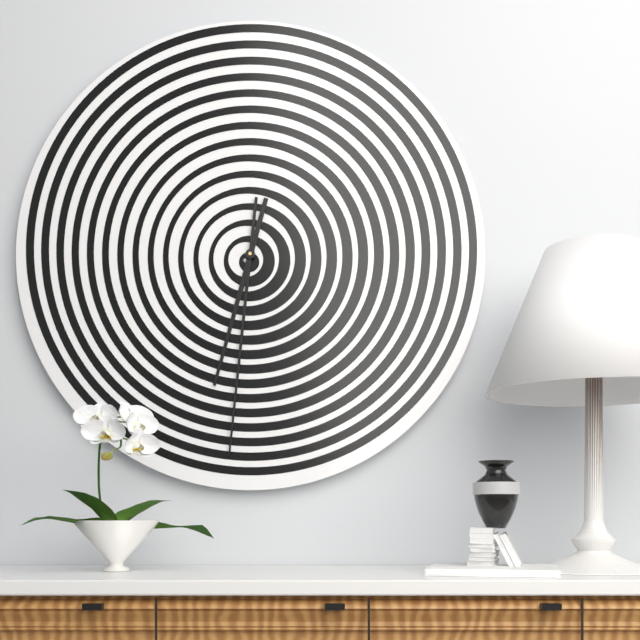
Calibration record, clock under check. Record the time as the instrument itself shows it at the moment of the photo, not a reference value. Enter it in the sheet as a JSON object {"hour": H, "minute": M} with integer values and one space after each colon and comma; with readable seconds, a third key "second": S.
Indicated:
{"hour": 6, "minute": 31}
